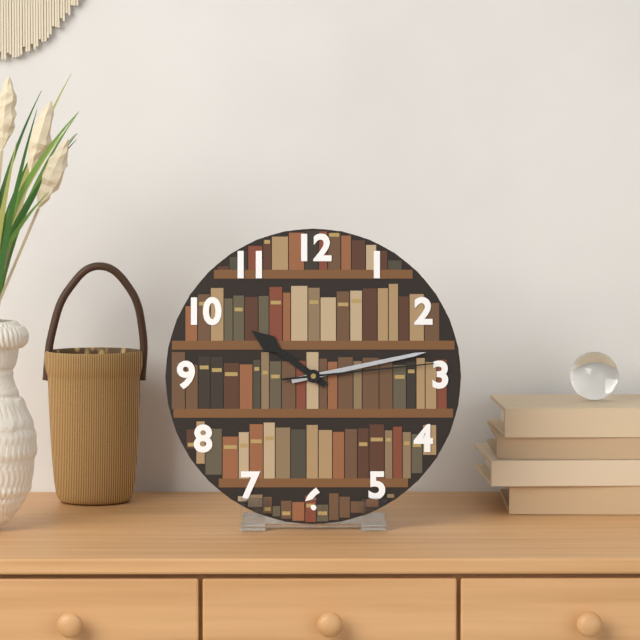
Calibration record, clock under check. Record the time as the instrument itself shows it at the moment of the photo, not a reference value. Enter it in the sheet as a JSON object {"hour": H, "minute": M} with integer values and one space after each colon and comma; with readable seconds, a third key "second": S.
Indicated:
{"hour": 10, "minute": 13, "second": 14}
